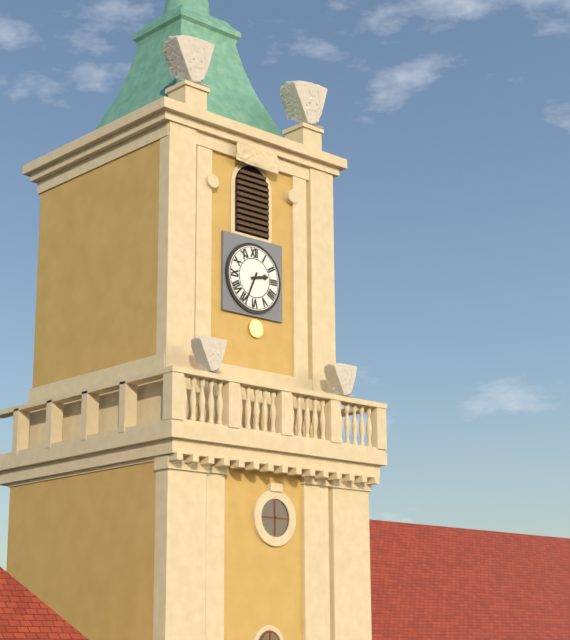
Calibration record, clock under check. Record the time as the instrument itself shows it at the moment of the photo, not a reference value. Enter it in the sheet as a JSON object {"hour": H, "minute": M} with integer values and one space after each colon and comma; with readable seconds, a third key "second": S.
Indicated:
{"hour": 2, "minute": 34}
